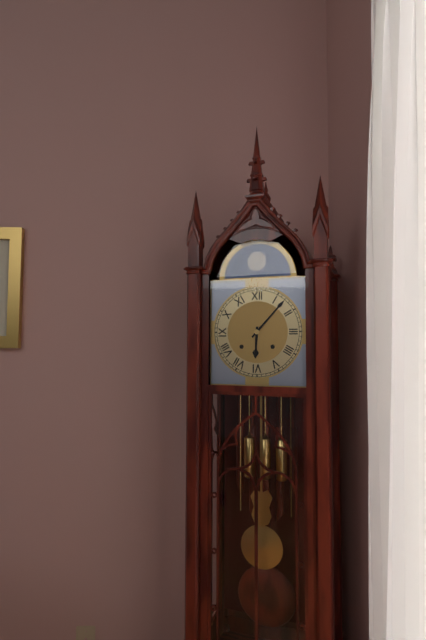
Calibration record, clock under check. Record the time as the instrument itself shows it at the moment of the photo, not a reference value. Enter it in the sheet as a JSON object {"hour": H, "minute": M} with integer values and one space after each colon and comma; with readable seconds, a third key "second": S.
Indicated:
{"hour": 6, "minute": 7}
